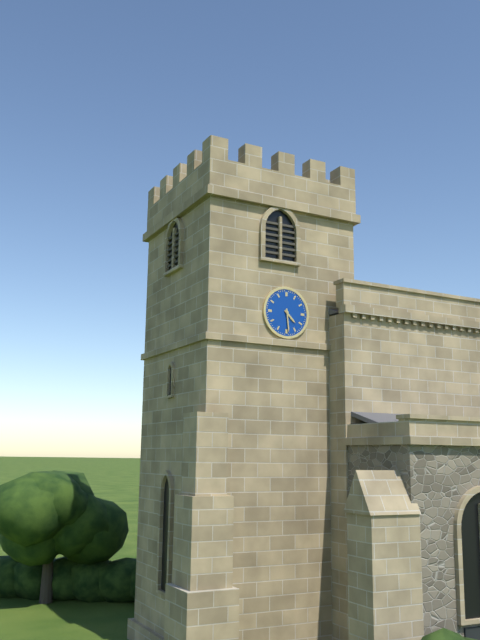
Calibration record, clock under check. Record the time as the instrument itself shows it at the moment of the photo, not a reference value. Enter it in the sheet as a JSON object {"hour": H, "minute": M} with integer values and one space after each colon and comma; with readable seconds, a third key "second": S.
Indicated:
{"hour": 4, "minute": 29}
